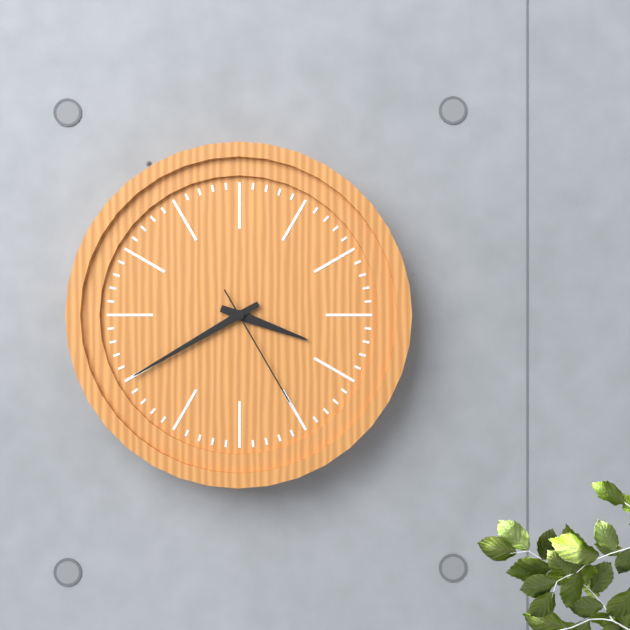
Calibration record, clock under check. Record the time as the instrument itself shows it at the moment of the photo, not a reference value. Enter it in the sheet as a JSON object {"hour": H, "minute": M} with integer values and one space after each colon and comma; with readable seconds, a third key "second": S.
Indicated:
{"hour": 3, "minute": 40, "second": 25}
